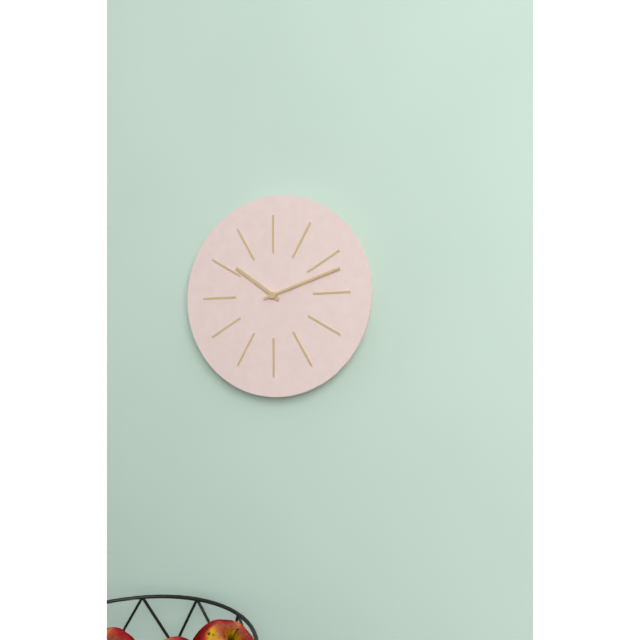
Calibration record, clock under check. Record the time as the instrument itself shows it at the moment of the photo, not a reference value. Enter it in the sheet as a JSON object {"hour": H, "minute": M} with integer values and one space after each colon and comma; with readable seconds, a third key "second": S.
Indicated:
{"hour": 10, "minute": 12}
